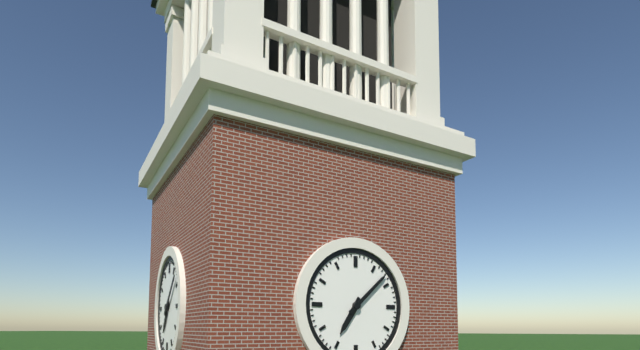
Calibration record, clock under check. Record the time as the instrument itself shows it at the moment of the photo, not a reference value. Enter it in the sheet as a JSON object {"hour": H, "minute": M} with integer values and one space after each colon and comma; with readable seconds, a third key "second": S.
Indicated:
{"hour": 7, "minute": 8}
